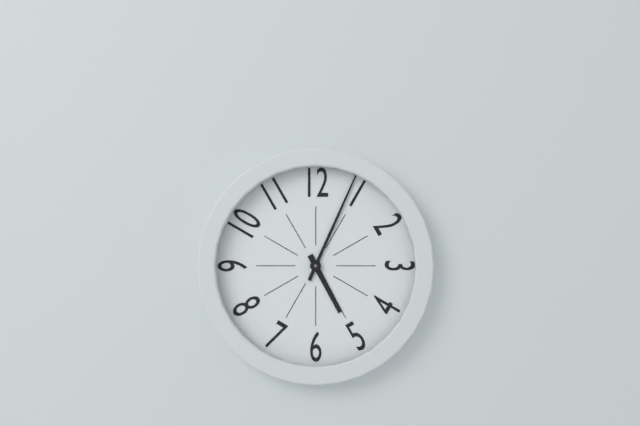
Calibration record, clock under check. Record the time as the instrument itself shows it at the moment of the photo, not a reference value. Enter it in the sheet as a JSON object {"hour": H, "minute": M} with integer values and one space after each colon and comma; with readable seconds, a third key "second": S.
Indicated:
{"hour": 5, "minute": 4}
